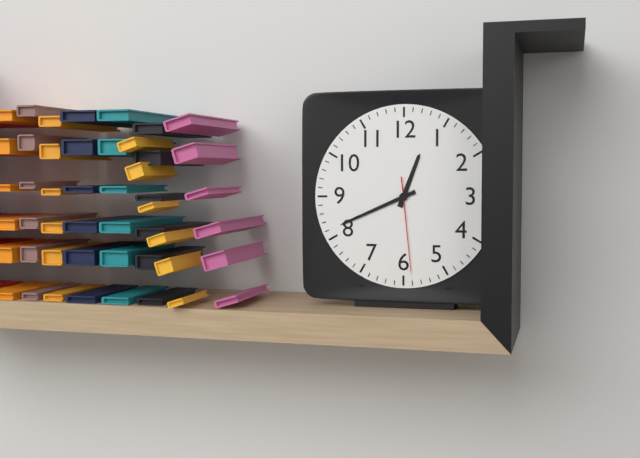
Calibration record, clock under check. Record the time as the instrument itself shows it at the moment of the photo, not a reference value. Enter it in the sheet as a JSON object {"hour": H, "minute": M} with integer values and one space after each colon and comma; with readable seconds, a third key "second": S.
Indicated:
{"hour": 12, "minute": 41, "second": 29}
